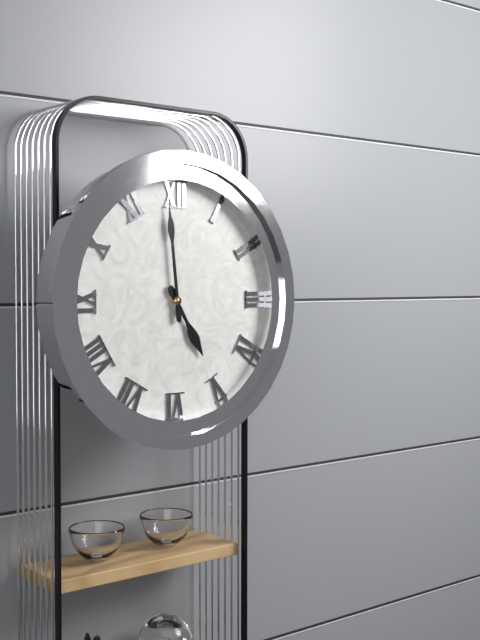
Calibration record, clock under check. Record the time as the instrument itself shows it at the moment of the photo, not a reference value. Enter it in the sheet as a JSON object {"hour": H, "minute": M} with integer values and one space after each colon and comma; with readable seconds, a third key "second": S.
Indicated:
{"hour": 4, "minute": 59}
